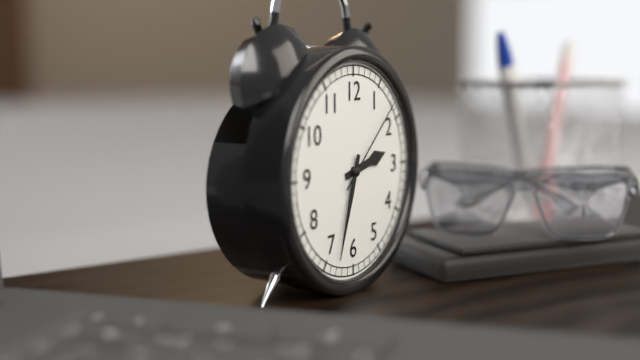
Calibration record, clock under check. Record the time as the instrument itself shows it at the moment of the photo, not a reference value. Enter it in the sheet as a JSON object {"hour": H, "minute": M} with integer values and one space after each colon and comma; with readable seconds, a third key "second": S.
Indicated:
{"hour": 2, "minute": 33, "second": 8}
